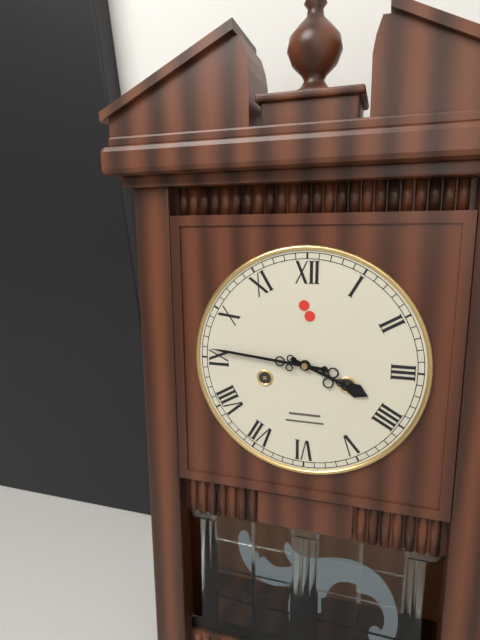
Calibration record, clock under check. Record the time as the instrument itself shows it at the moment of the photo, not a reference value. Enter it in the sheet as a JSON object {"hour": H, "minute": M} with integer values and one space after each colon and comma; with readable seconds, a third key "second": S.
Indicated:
{"hour": 3, "minute": 46}
